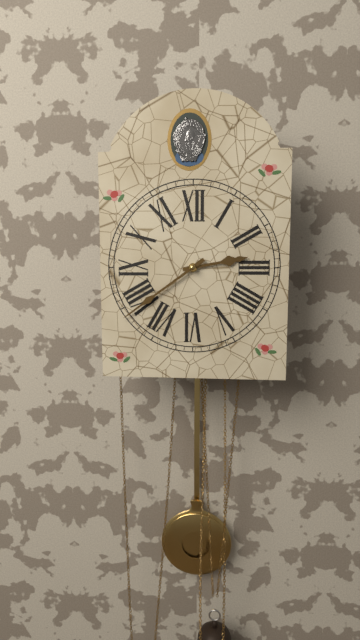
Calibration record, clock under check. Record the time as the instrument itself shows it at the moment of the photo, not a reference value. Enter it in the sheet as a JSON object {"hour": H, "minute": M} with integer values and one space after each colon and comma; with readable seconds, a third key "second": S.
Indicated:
{"hour": 2, "minute": 39}
